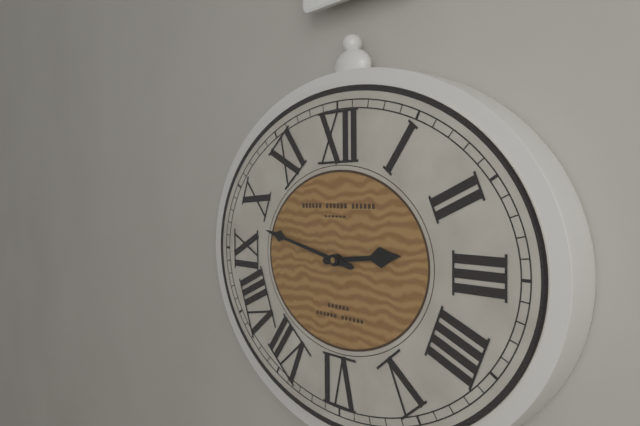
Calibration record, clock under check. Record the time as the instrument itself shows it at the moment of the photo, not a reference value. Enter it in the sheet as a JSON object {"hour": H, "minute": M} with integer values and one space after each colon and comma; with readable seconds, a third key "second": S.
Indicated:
{"hour": 2, "minute": 47}
